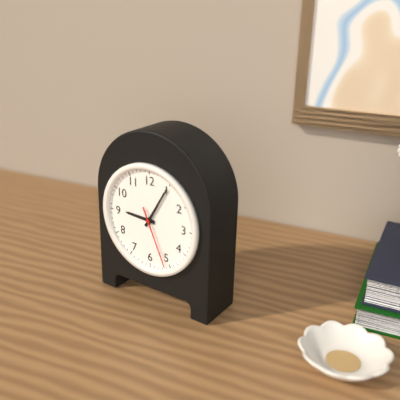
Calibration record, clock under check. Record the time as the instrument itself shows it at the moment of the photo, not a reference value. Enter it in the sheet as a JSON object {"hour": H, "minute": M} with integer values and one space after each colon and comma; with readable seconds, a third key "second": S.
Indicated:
{"hour": 9, "minute": 5, "second": 26}
